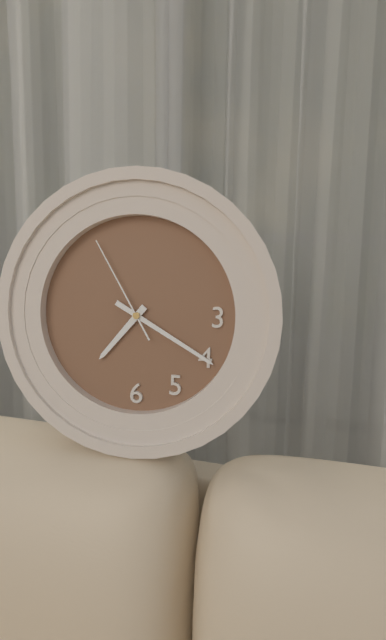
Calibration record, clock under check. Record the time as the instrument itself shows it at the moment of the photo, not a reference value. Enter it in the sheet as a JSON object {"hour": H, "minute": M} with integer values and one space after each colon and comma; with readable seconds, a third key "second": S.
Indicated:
{"hour": 7, "minute": 20, "second": 55}
